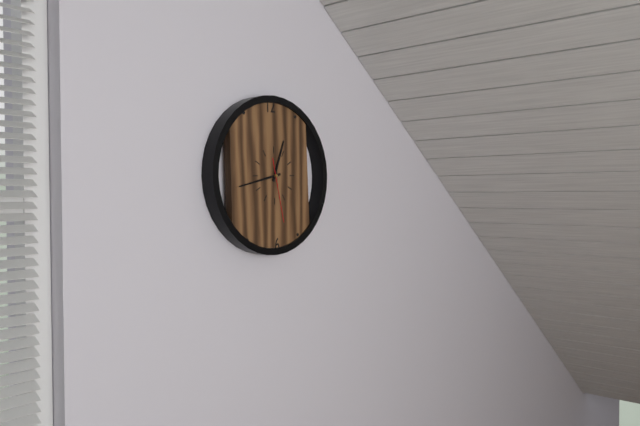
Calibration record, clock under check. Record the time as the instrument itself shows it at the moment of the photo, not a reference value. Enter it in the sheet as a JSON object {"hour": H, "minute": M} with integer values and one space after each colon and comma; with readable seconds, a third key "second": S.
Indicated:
{"hour": 12, "minute": 43, "second": 28}
